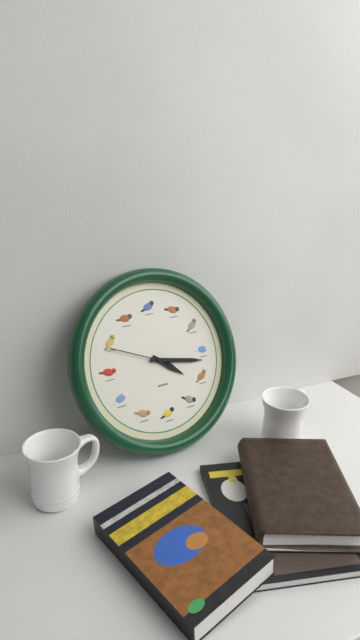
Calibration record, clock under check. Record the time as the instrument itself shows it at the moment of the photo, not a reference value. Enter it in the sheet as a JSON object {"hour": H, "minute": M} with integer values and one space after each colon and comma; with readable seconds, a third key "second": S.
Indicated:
{"hour": 4, "minute": 17, "second": 49}
